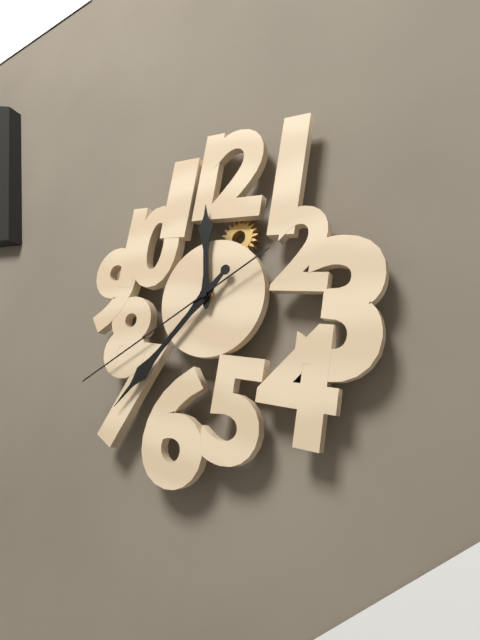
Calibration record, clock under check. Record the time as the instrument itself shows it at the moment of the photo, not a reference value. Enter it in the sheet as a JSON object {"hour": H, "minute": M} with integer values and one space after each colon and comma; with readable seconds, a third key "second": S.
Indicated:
{"hour": 11, "minute": 36, "second": 39}
